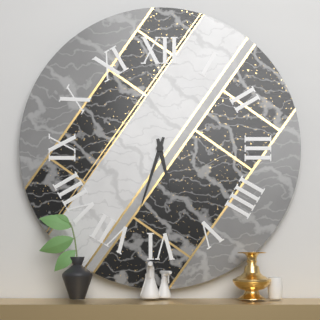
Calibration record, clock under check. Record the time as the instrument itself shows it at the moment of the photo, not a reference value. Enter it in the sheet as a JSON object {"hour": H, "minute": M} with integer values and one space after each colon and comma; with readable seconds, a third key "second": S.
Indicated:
{"hour": 5, "minute": 33}
